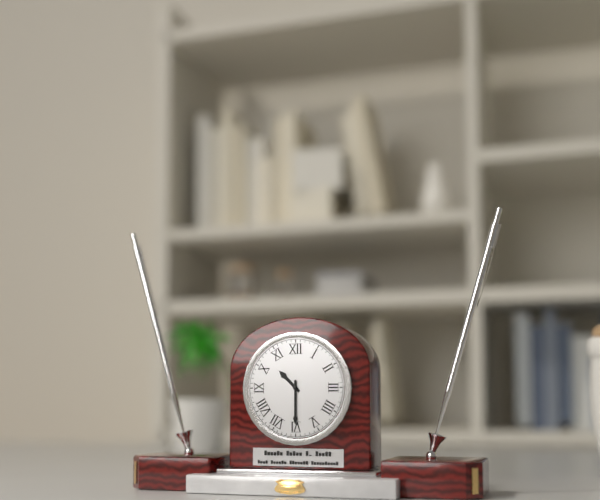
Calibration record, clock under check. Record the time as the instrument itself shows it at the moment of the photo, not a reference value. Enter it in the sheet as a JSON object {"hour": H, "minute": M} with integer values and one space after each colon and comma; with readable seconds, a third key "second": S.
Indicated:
{"hour": 10, "minute": 30}
